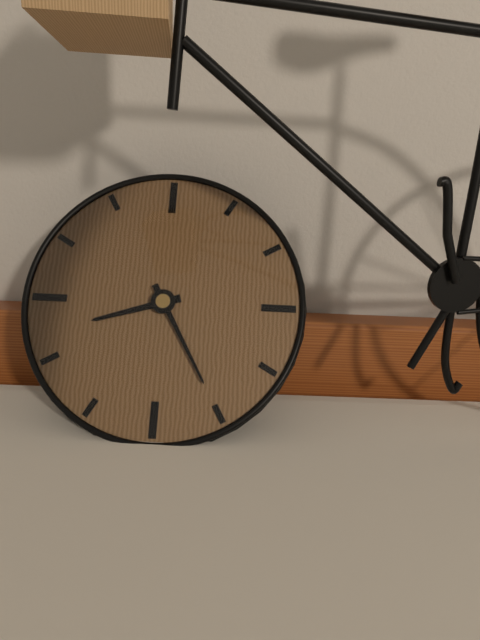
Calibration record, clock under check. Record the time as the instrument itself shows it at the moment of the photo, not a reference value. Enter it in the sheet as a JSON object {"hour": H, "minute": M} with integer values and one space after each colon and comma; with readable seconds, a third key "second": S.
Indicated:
{"hour": 8, "minute": 25}
